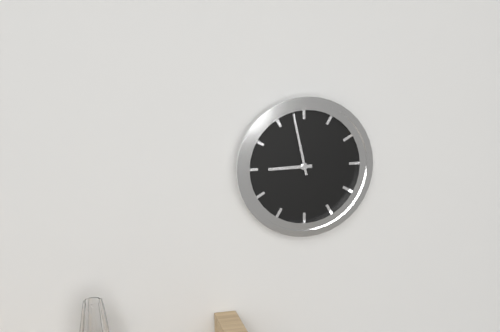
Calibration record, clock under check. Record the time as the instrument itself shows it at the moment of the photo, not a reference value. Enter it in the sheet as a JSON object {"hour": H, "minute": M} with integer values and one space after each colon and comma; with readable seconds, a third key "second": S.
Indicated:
{"hour": 8, "minute": 58}
